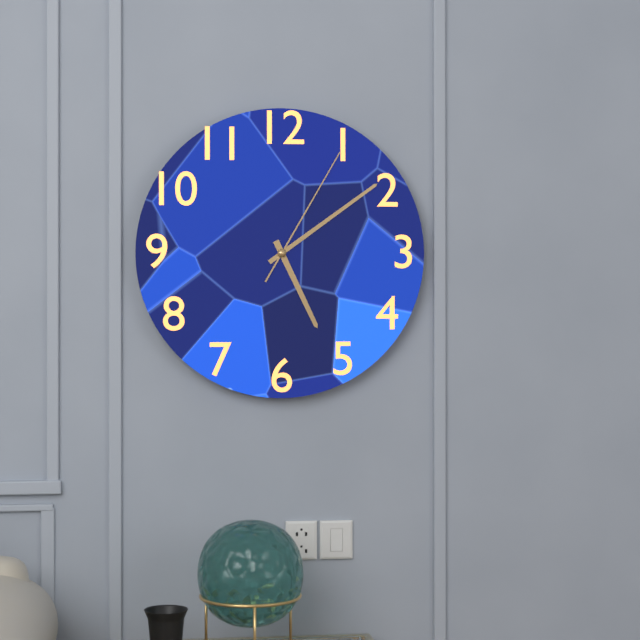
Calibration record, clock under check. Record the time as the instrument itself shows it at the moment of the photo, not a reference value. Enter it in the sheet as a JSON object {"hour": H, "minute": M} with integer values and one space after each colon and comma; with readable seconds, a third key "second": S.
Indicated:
{"hour": 5, "minute": 9, "second": 5}
